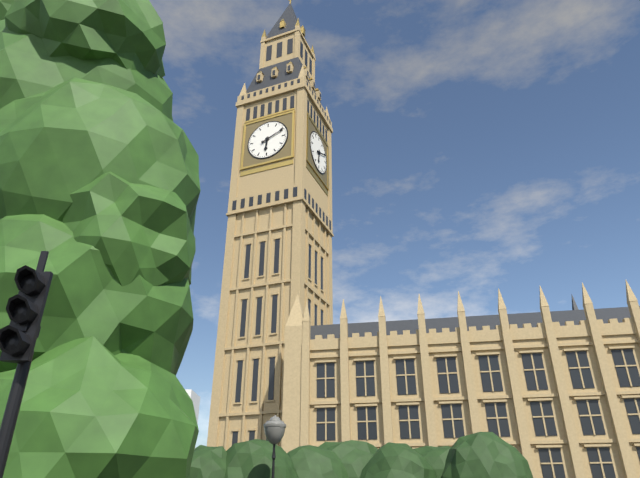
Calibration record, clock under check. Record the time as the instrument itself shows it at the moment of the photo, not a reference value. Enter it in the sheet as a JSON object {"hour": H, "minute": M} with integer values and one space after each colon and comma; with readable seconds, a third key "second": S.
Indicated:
{"hour": 6, "minute": 11}
